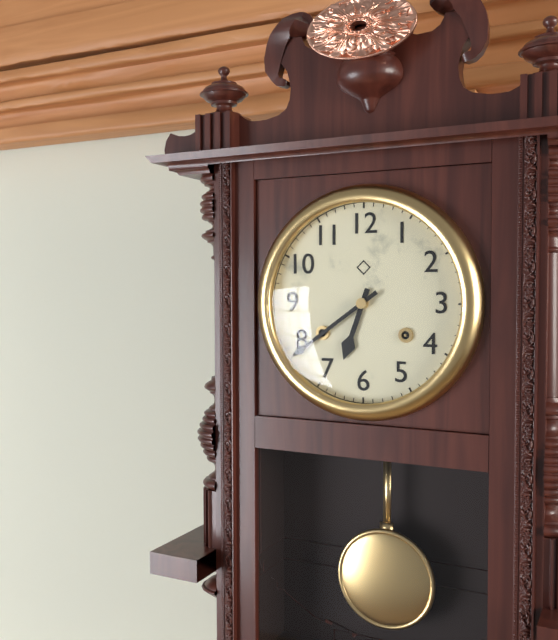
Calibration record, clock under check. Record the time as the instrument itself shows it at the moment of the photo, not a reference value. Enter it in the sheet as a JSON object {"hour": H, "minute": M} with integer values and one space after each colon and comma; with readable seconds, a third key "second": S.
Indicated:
{"hour": 6, "minute": 39}
